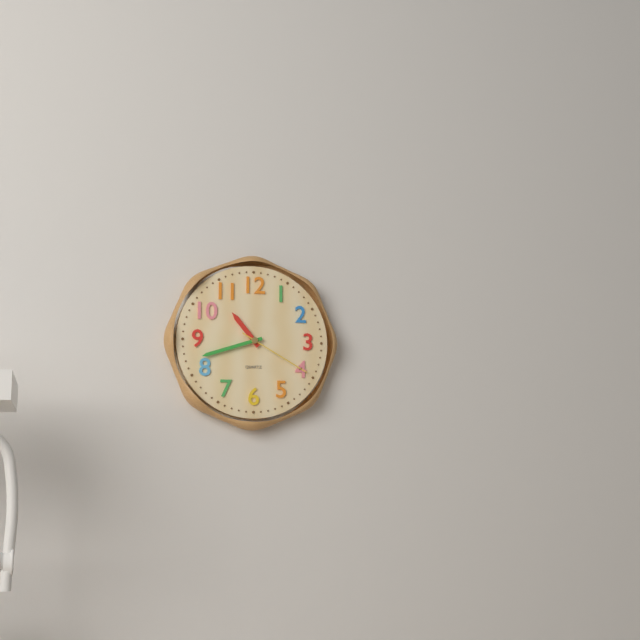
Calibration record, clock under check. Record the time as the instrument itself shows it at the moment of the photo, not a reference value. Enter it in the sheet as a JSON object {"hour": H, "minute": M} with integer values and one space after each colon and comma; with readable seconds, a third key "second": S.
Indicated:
{"hour": 10, "minute": 42, "second": 20}
